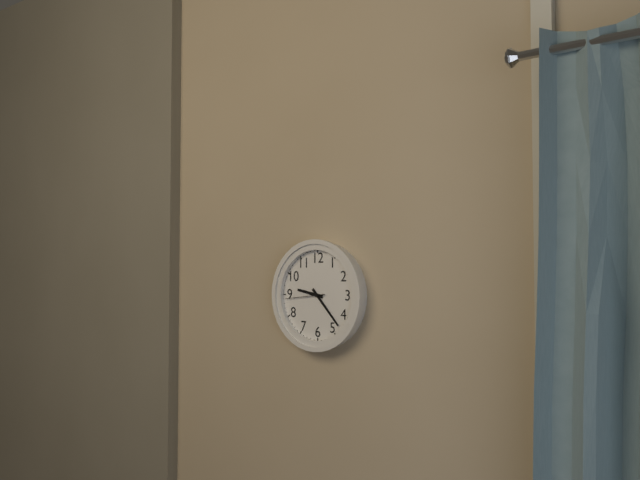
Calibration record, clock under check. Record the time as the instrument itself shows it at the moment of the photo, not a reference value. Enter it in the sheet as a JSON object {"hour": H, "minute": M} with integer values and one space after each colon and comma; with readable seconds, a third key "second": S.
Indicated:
{"hour": 9, "minute": 23}
